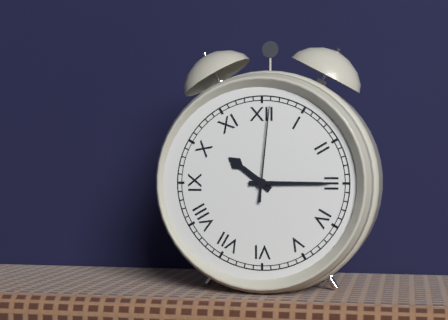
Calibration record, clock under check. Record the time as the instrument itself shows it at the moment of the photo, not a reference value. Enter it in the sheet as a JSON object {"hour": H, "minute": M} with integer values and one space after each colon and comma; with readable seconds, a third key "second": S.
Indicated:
{"hour": 10, "minute": 15, "second": 1}
